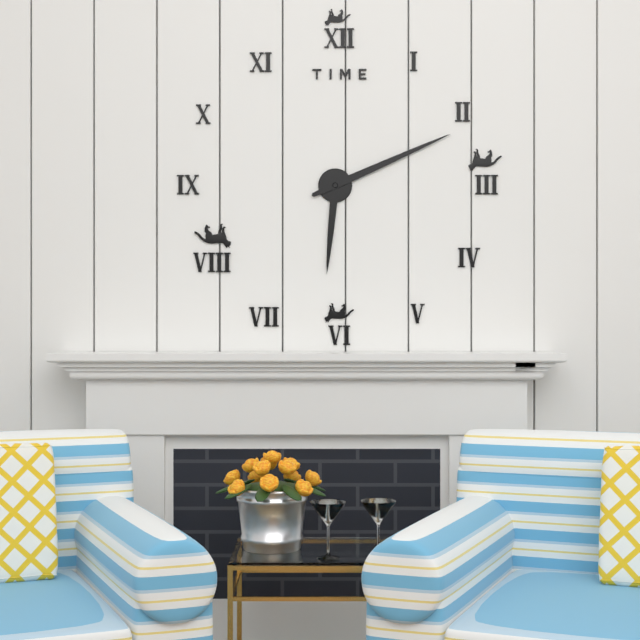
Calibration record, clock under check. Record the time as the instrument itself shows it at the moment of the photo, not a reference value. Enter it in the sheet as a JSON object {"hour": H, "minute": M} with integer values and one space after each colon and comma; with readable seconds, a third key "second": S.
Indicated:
{"hour": 6, "minute": 11}
